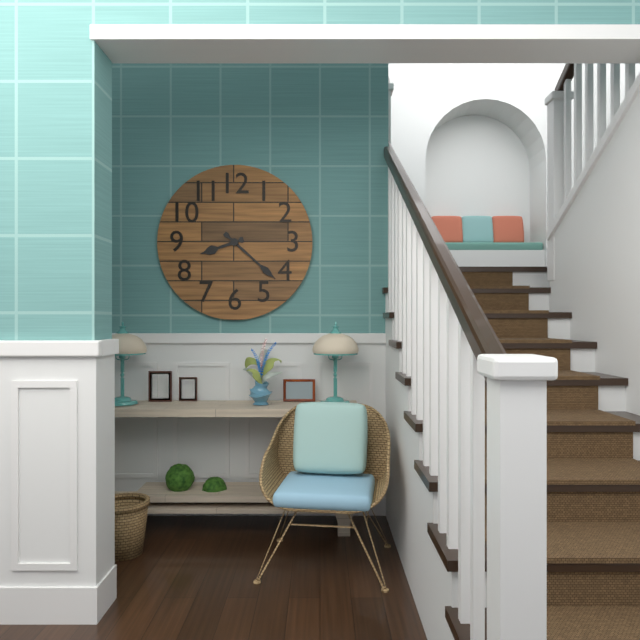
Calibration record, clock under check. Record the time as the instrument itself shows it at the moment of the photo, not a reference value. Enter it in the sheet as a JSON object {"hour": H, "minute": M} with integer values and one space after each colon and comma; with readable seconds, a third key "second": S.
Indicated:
{"hour": 8, "minute": 22}
